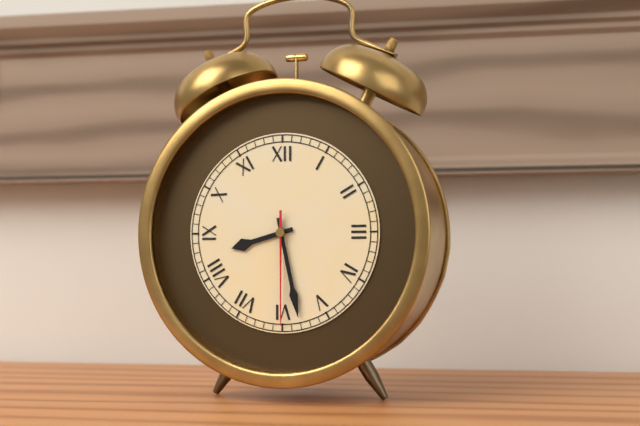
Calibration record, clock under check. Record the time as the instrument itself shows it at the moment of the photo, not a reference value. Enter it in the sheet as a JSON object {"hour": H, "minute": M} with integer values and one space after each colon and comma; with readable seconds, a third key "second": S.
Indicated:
{"hour": 8, "minute": 28, "second": 30}
